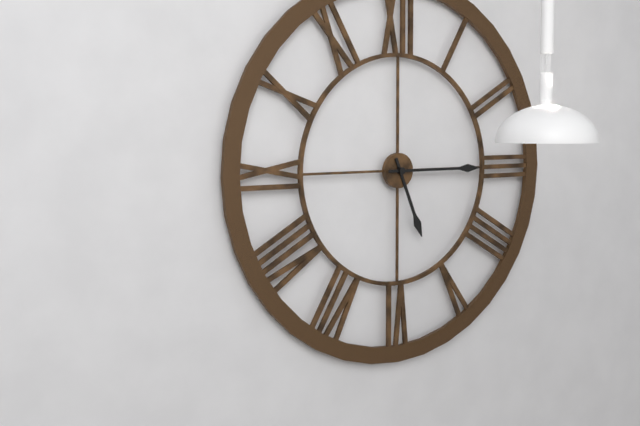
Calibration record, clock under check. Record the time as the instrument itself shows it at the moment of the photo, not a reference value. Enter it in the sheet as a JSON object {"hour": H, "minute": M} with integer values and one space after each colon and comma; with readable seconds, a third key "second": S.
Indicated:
{"hour": 5, "minute": 15}
